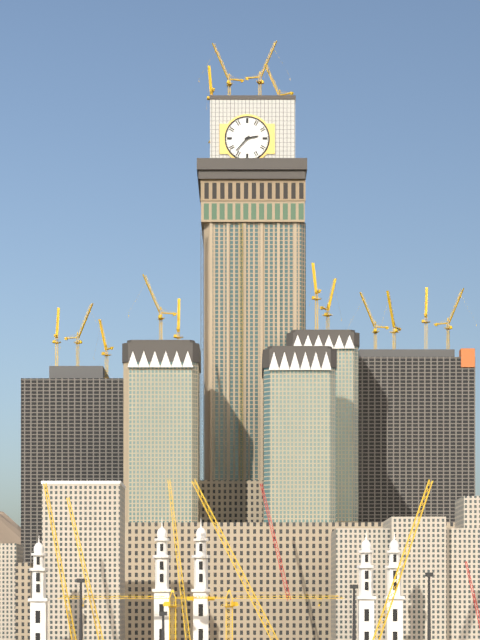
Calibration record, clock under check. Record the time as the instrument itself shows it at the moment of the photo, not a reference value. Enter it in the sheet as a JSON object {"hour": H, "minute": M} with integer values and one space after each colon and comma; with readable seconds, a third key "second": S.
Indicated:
{"hour": 2, "minute": 37}
